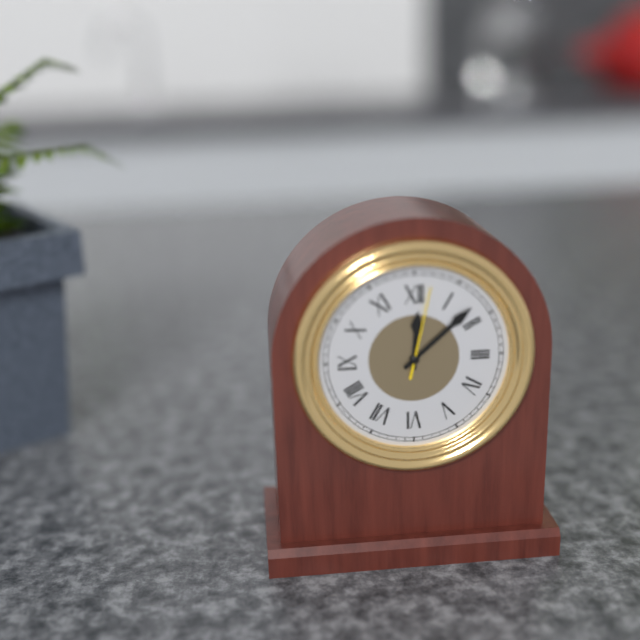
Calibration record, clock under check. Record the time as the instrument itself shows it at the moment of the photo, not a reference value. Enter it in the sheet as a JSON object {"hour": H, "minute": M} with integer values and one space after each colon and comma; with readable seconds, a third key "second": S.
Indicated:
{"hour": 12, "minute": 8, "second": 2}
